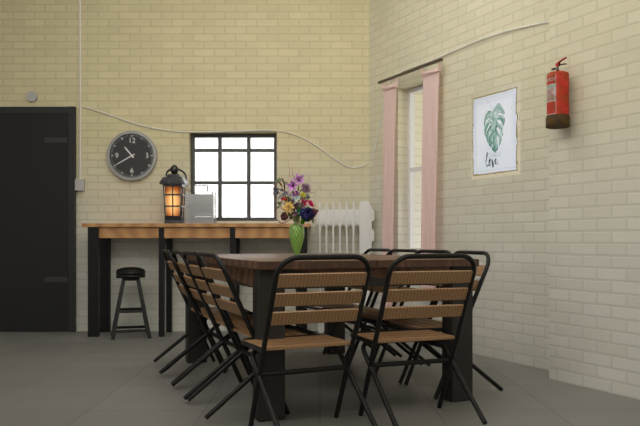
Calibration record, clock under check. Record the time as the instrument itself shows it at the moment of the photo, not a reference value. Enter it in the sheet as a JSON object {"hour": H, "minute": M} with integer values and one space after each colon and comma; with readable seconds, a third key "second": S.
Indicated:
{"hour": 10, "minute": 40}
